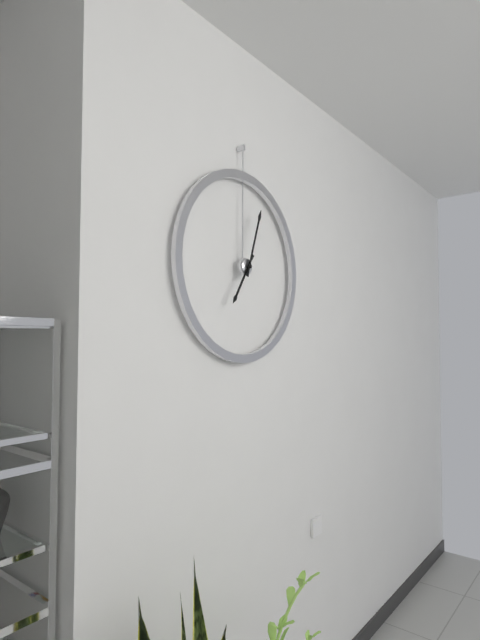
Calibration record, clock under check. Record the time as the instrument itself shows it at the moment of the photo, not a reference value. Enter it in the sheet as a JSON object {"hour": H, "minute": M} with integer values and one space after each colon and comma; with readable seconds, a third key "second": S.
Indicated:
{"hour": 7, "minute": 3}
